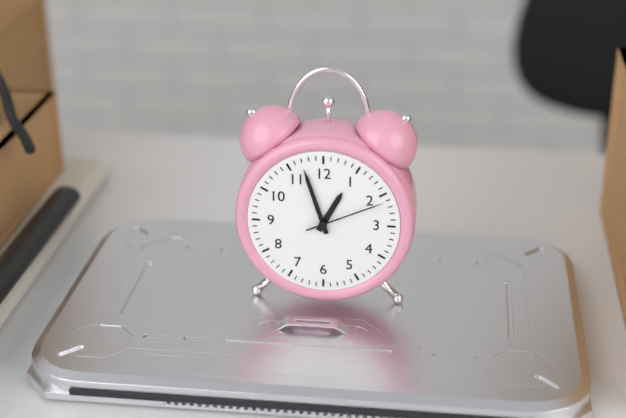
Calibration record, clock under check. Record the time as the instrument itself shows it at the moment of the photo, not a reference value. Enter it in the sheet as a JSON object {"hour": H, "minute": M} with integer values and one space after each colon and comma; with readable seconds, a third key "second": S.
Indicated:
{"hour": 12, "minute": 57, "second": 11}
